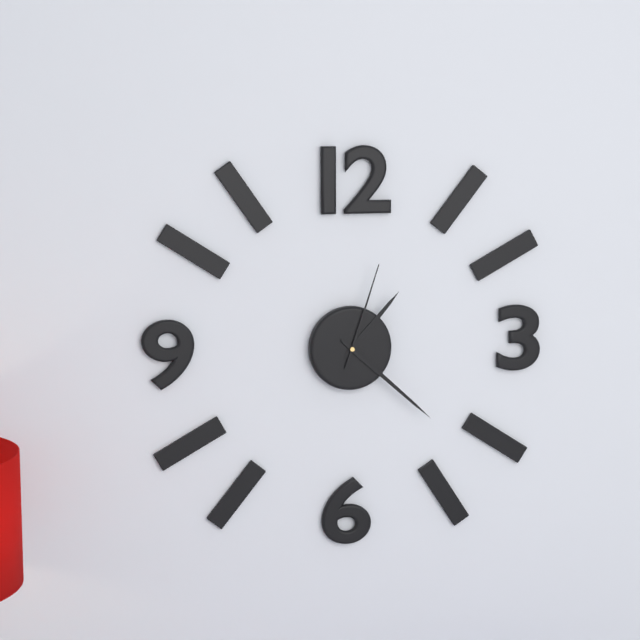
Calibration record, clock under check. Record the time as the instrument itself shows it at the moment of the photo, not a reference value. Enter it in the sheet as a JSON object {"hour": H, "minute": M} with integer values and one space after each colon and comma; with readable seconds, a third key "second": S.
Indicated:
{"hour": 1, "minute": 22, "second": 3}
